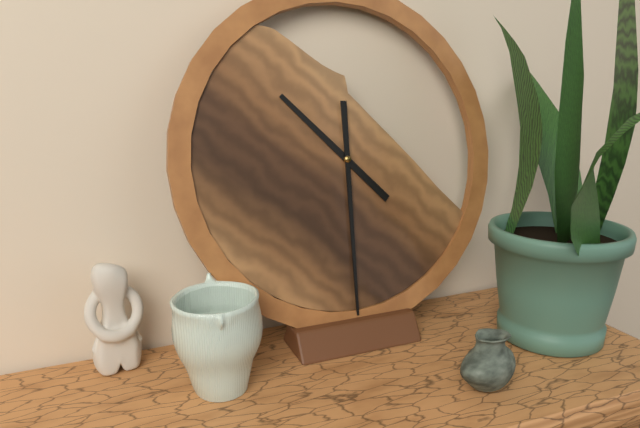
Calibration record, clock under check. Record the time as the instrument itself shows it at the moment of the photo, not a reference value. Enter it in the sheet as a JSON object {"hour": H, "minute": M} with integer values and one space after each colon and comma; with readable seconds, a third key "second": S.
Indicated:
{"hour": 10, "minute": 30}
